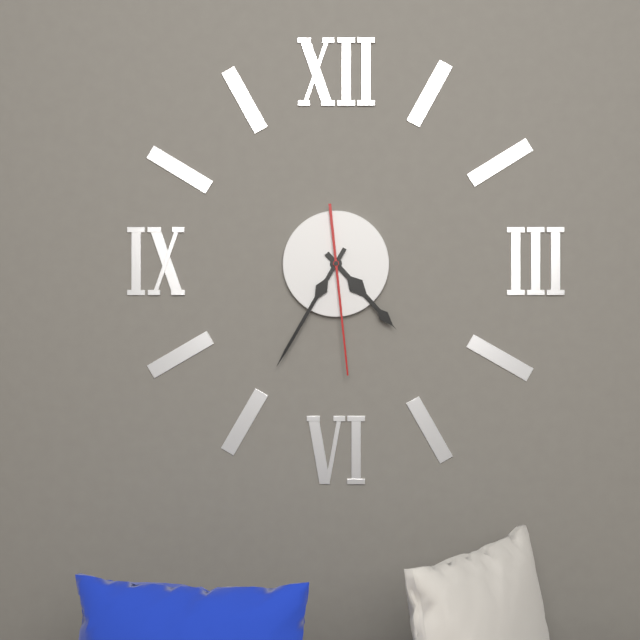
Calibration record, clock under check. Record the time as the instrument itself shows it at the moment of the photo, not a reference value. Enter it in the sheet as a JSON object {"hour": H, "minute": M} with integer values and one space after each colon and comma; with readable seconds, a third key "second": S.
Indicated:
{"hour": 4, "minute": 35, "second": 29}
